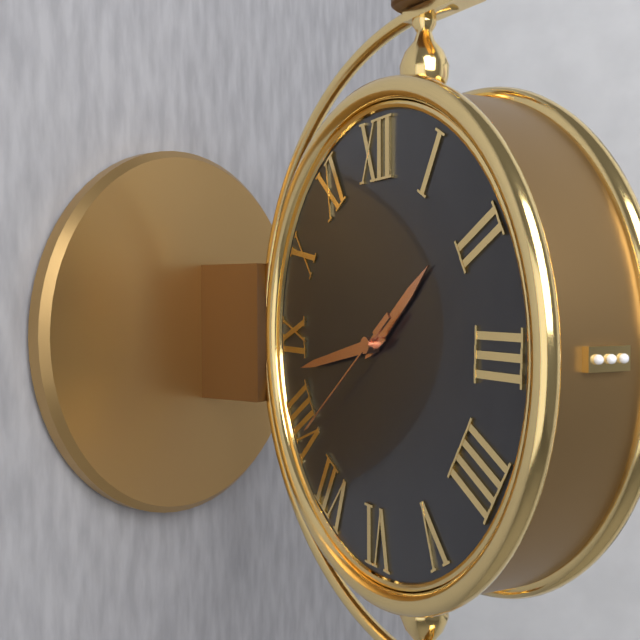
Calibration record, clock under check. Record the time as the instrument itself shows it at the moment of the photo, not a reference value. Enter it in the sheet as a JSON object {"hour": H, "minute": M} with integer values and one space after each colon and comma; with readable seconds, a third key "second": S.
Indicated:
{"hour": 1, "minute": 43, "second": 39}
